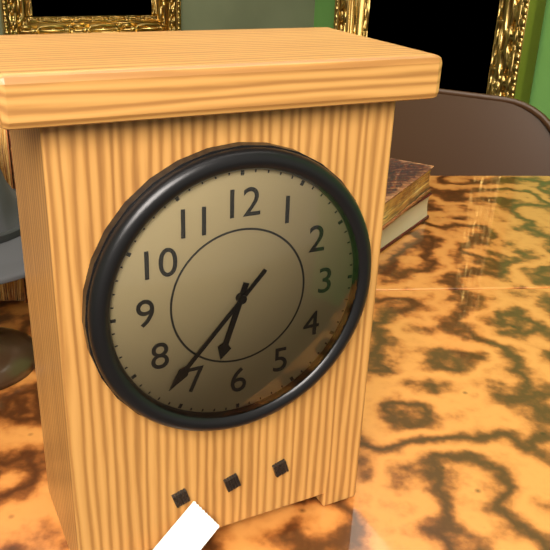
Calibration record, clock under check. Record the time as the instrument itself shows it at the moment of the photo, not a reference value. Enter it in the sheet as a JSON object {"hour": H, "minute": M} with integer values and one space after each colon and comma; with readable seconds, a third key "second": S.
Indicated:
{"hour": 6, "minute": 37}
